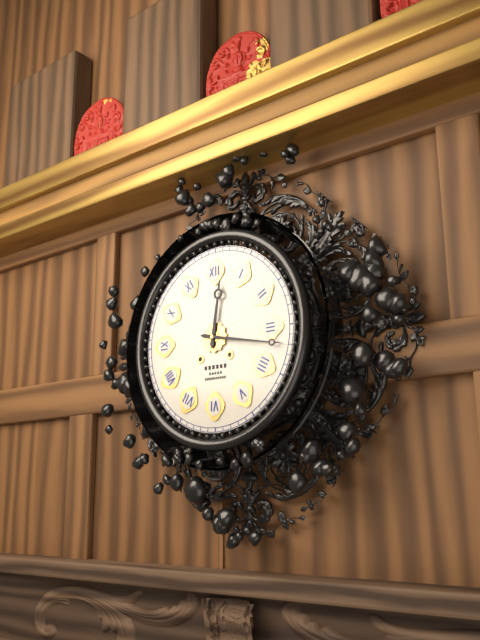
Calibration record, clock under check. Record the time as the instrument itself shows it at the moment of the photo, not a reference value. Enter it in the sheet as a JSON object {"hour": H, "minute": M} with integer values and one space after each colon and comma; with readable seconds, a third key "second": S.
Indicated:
{"hour": 12, "minute": 17}
